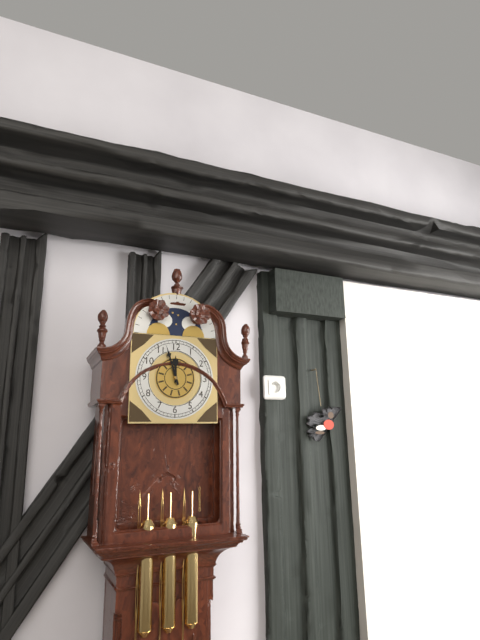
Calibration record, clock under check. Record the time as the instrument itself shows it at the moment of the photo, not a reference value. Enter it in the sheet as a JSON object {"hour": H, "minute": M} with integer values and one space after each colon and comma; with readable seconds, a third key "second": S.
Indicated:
{"hour": 11, "minute": 57}
